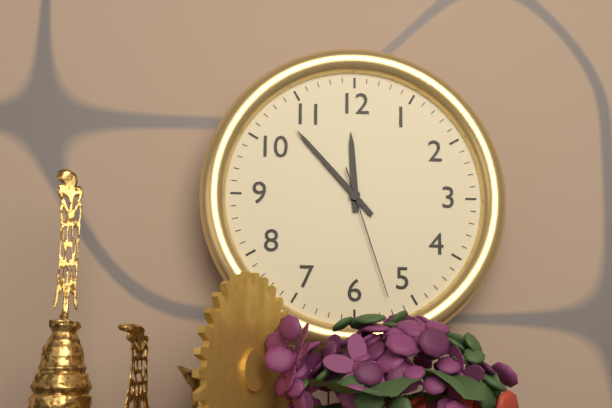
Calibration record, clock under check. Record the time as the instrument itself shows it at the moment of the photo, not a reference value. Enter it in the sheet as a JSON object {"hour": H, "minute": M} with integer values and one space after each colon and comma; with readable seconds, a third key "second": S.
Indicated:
{"hour": 11, "minute": 53, "second": 27}
